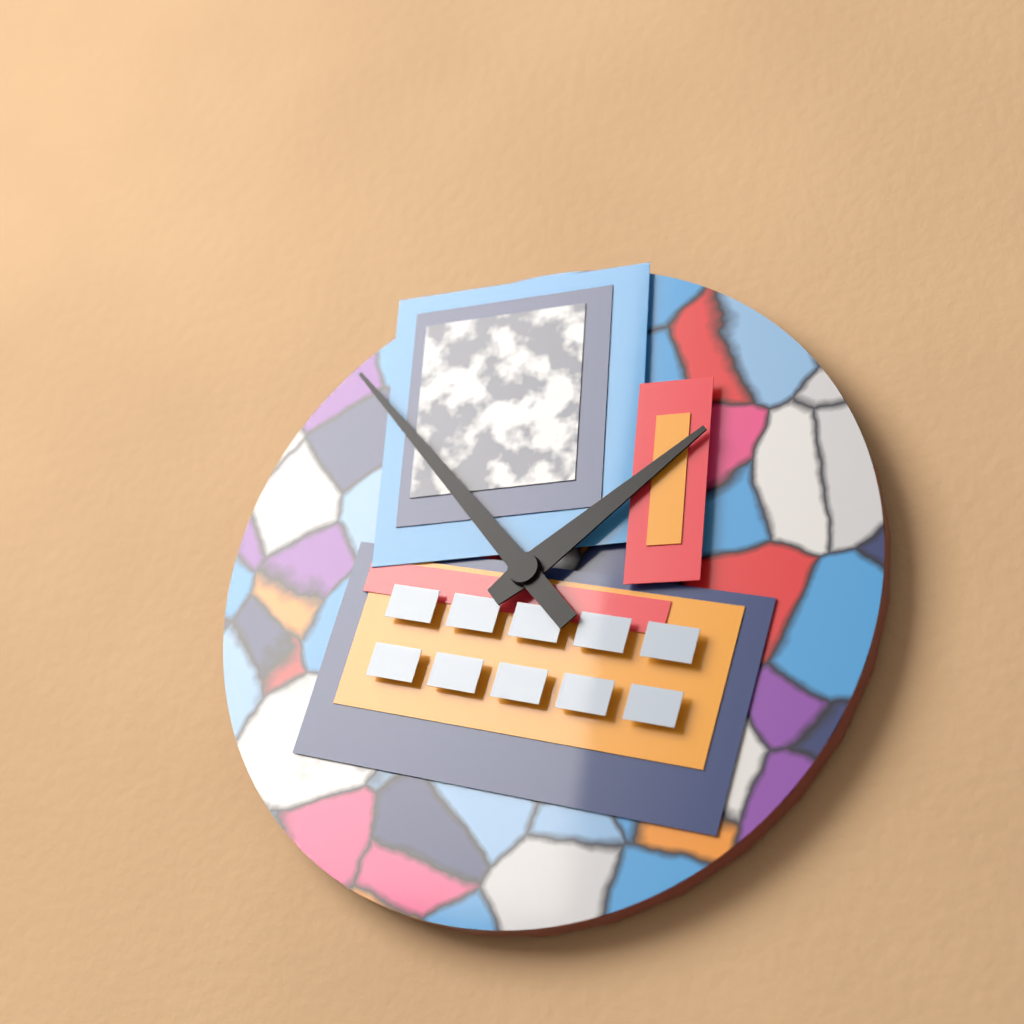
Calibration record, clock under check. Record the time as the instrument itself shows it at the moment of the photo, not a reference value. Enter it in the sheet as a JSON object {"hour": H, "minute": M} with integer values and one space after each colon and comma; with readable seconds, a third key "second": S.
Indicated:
{"hour": 1, "minute": 54}
